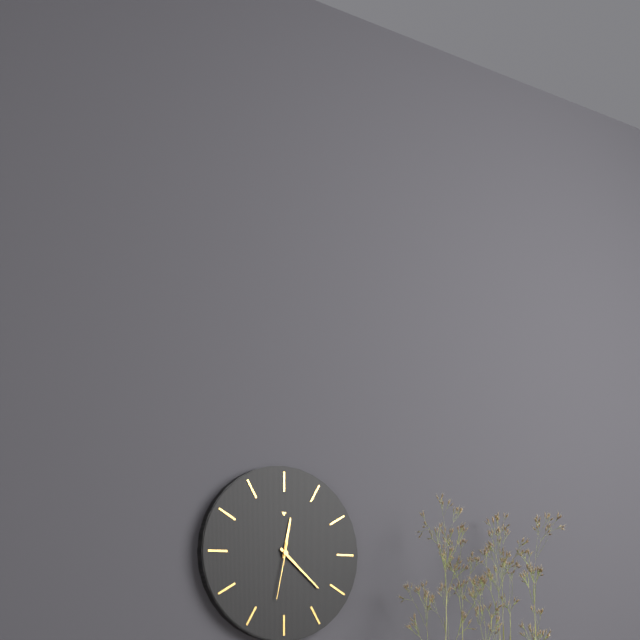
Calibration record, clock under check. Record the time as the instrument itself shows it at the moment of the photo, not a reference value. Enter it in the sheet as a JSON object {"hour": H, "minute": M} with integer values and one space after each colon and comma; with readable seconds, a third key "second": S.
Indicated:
{"hour": 12, "minute": 22, "second": 32}
